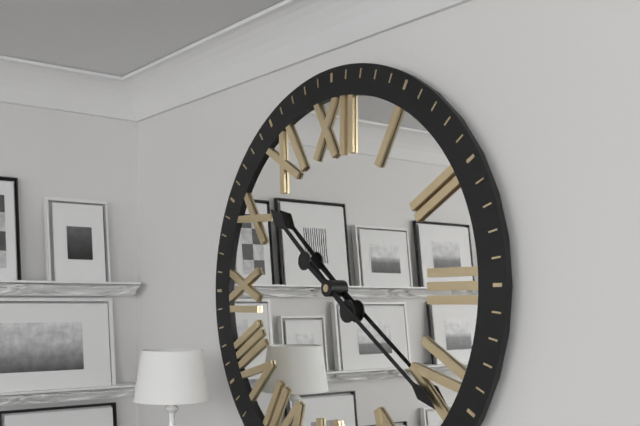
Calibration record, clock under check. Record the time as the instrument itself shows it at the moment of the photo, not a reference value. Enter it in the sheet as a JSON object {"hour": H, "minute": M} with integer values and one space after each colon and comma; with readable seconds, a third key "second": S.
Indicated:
{"hour": 10, "minute": 21}
